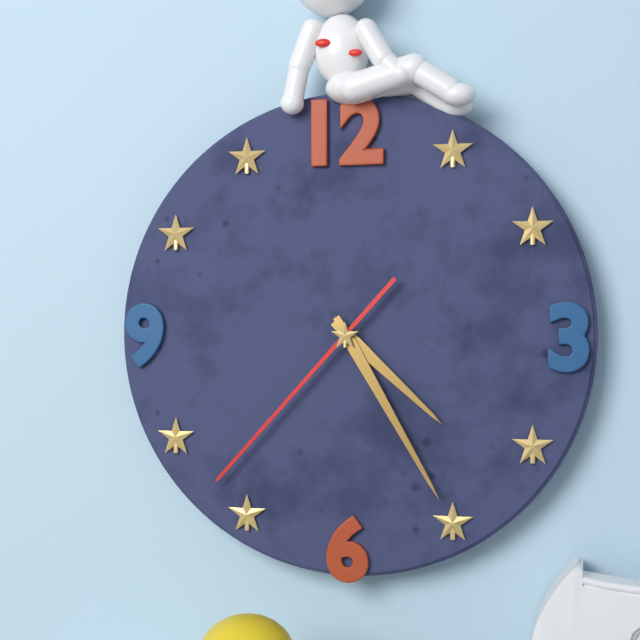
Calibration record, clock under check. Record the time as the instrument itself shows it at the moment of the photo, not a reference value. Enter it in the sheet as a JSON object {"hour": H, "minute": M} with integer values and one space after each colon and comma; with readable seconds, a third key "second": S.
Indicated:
{"hour": 4, "minute": 25, "second": 37}
